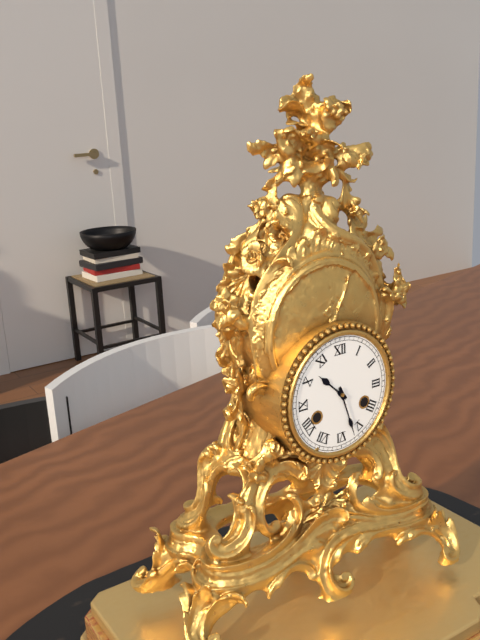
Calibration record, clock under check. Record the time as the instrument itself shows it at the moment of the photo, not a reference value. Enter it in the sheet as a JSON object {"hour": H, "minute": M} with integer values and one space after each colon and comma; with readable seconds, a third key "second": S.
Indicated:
{"hour": 10, "minute": 27}
